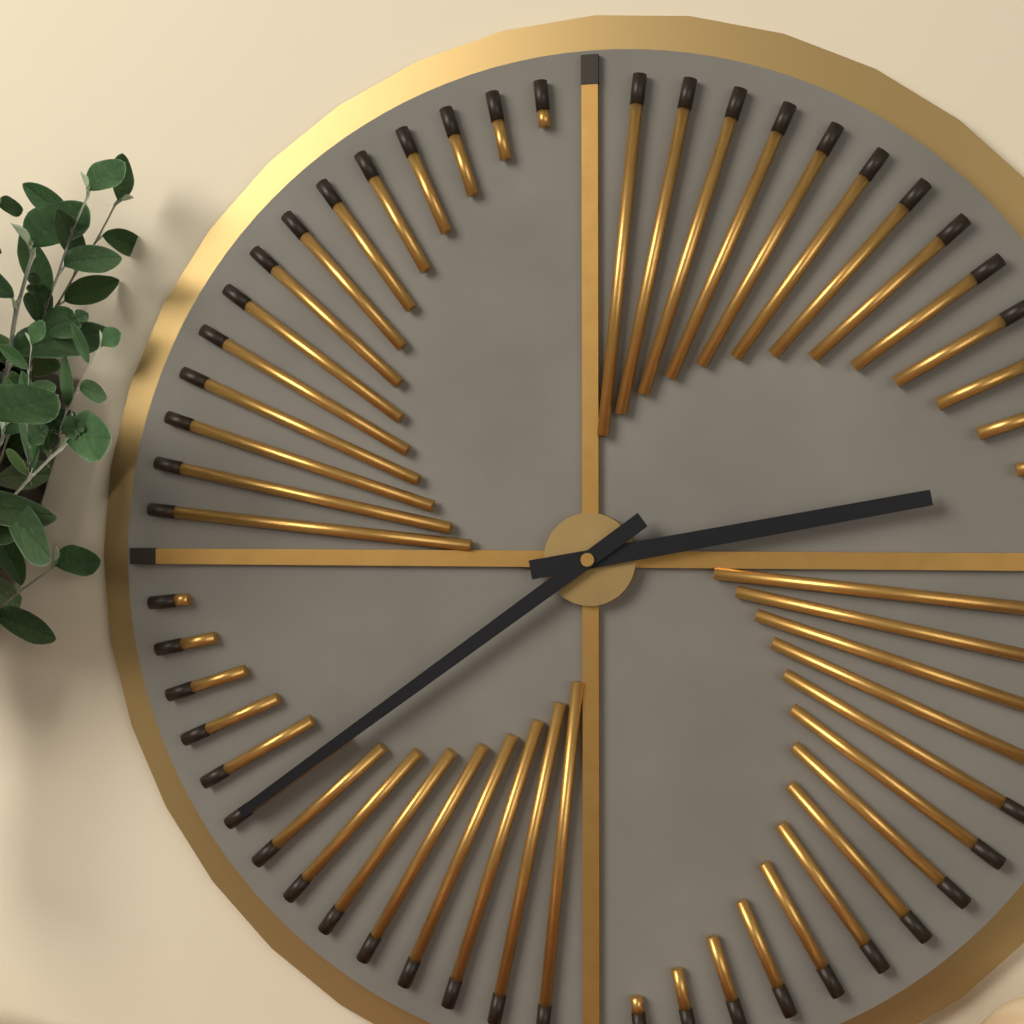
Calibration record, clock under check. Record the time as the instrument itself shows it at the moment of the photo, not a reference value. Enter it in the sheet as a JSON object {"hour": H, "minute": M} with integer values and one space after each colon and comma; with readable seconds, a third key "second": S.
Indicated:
{"hour": 2, "minute": 39}
